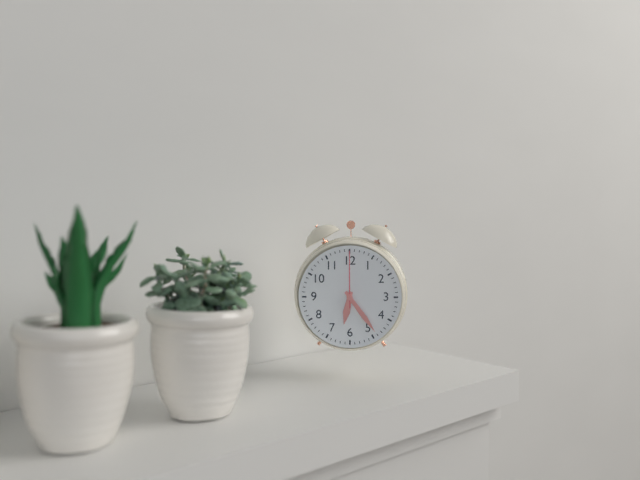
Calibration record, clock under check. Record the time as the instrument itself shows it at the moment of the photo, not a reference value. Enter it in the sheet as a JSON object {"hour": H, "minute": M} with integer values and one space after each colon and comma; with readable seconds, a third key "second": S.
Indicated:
{"hour": 6, "minute": 24, "second": 0}
